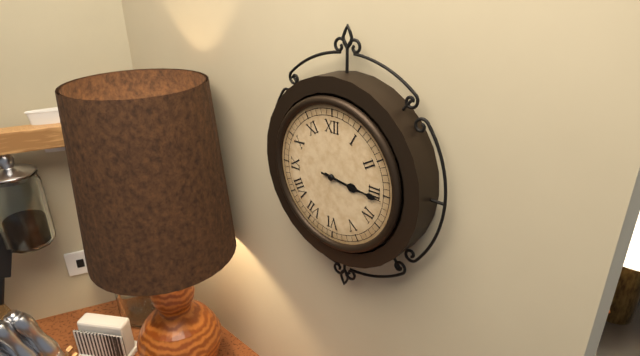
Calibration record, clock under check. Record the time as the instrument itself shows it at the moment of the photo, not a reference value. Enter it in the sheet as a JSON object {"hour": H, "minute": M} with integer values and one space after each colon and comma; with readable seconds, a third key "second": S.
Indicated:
{"hour": 3, "minute": 16}
